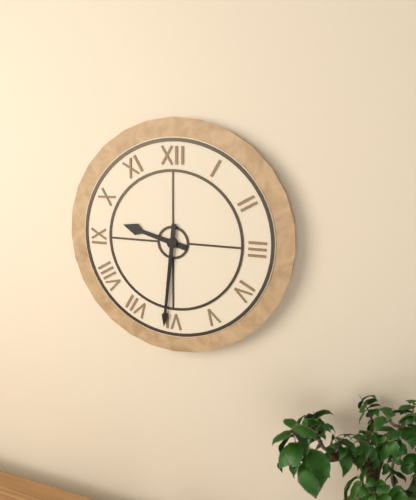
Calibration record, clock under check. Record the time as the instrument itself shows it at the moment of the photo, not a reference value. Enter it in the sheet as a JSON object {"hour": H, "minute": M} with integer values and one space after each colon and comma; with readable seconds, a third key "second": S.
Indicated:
{"hour": 9, "minute": 31}
